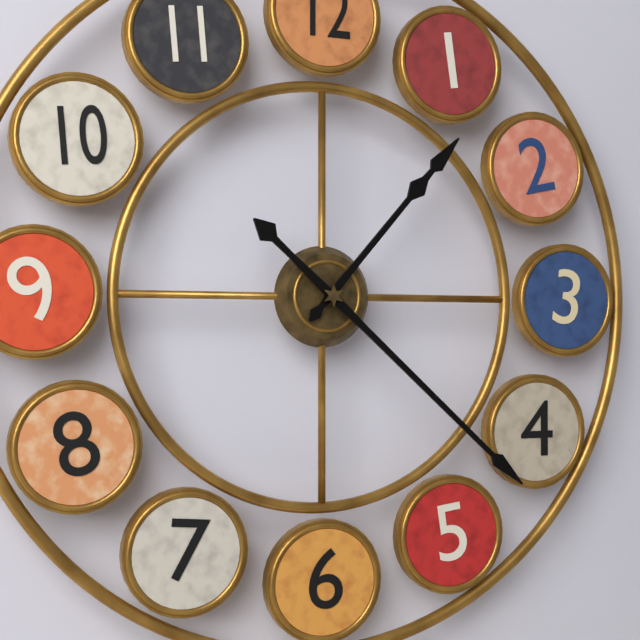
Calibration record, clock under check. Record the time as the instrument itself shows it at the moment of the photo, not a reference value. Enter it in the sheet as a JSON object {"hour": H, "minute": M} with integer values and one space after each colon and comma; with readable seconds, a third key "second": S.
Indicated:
{"hour": 1, "minute": 22}
